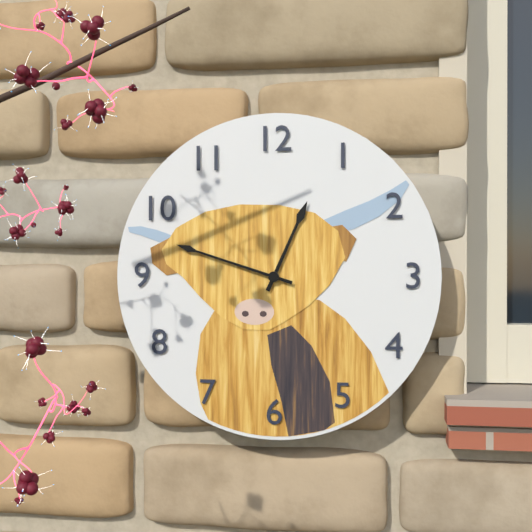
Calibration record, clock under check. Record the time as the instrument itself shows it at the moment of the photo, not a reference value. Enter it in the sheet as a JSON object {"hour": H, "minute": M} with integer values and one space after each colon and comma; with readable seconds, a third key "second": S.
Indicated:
{"hour": 12, "minute": 48}
